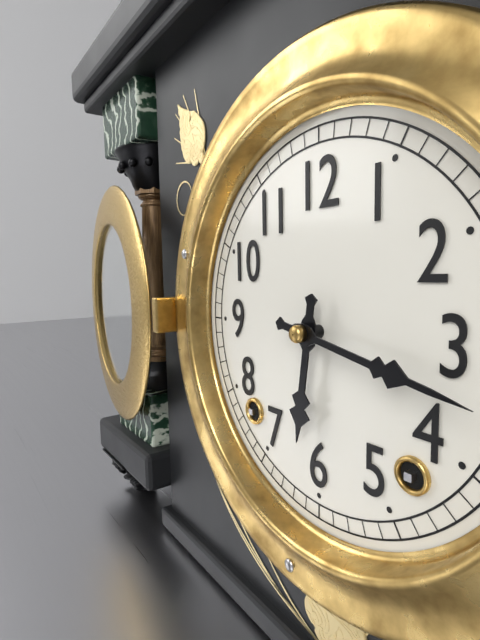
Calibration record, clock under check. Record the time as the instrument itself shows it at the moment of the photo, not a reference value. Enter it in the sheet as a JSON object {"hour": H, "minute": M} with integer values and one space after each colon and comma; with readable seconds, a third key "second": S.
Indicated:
{"hour": 6, "minute": 17}
